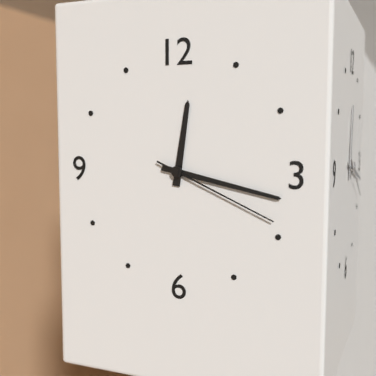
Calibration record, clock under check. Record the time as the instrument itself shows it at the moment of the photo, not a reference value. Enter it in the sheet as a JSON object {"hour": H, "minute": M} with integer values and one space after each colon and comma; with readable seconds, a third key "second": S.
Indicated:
{"hour": 12, "minute": 17, "second": 19}
